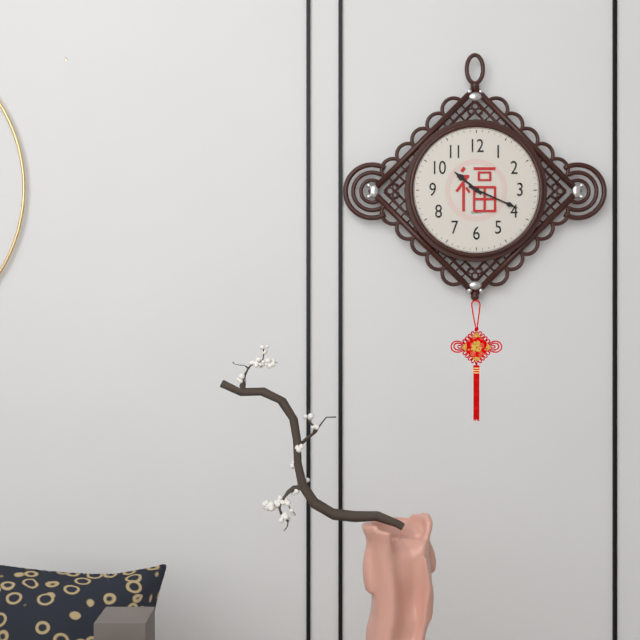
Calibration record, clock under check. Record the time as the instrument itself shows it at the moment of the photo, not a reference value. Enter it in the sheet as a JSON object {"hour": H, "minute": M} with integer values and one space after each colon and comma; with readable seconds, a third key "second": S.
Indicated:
{"hour": 10, "minute": 19}
